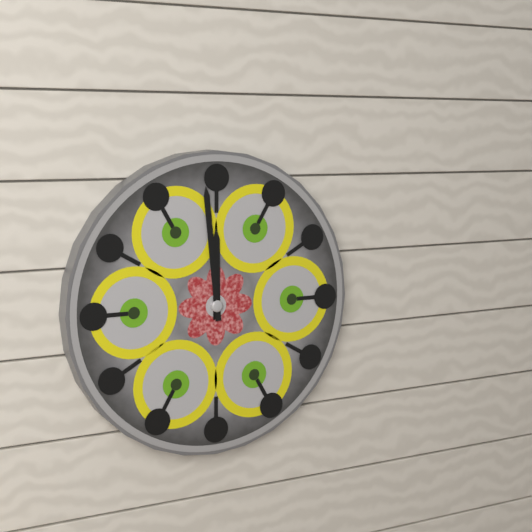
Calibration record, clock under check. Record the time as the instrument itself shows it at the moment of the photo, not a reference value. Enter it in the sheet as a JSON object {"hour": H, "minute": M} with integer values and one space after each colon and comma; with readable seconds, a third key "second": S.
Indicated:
{"hour": 11, "minute": 59}
